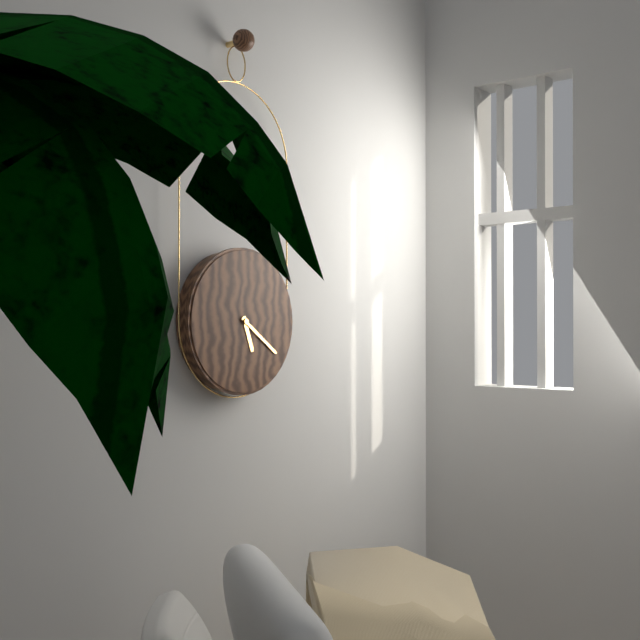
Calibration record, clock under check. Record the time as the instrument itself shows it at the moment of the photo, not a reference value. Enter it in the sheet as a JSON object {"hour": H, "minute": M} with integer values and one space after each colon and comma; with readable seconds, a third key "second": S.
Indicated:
{"hour": 5, "minute": 21}
